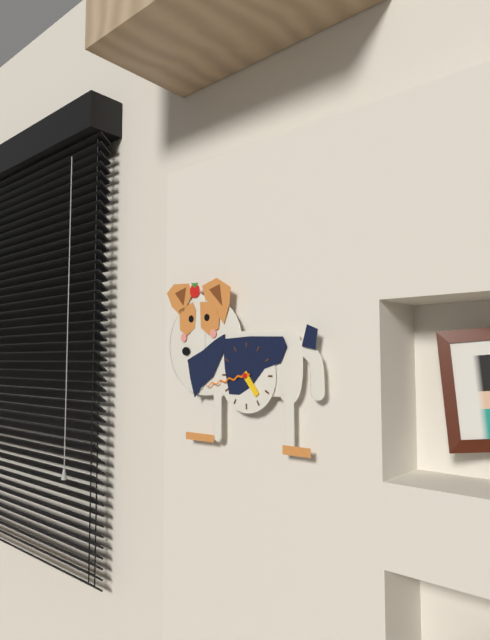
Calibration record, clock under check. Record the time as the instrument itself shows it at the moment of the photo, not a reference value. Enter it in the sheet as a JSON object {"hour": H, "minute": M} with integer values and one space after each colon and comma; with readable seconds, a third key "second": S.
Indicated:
{"hour": 4, "minute": 43}
